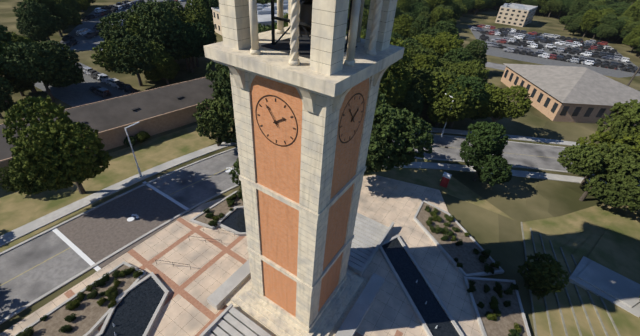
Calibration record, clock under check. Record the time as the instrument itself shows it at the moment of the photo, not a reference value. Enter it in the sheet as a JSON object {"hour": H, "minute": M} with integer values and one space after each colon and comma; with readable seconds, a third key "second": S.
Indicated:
{"hour": 1, "minute": 54}
